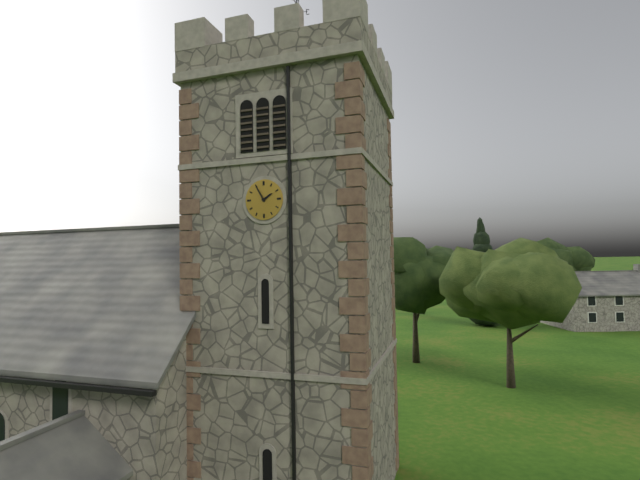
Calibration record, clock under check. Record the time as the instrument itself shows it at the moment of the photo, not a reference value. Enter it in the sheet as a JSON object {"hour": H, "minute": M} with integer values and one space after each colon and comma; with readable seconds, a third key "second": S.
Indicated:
{"hour": 1, "minute": 55}
